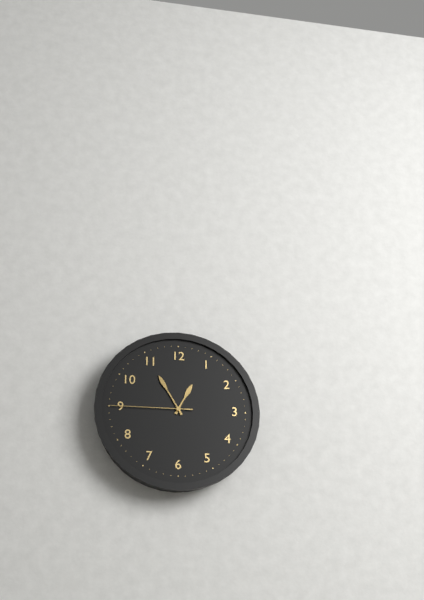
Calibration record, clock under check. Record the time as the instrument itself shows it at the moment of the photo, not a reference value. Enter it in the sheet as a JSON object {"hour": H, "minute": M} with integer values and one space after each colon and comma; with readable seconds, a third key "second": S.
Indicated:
{"hour": 12, "minute": 55, "second": 45}
